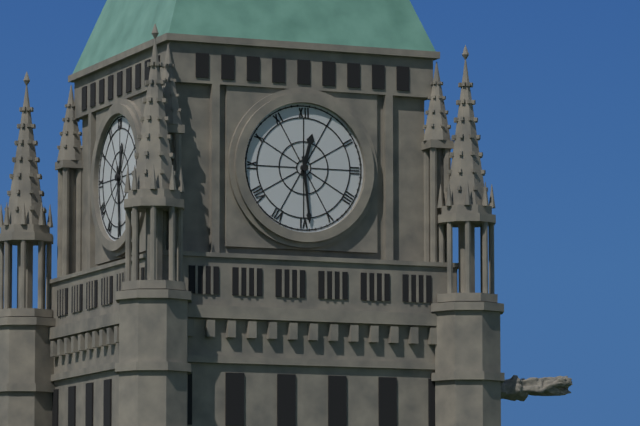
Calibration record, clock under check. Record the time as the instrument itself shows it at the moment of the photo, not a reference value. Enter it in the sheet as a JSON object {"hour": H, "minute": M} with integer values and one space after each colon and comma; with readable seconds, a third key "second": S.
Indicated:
{"hour": 12, "minute": 29}
